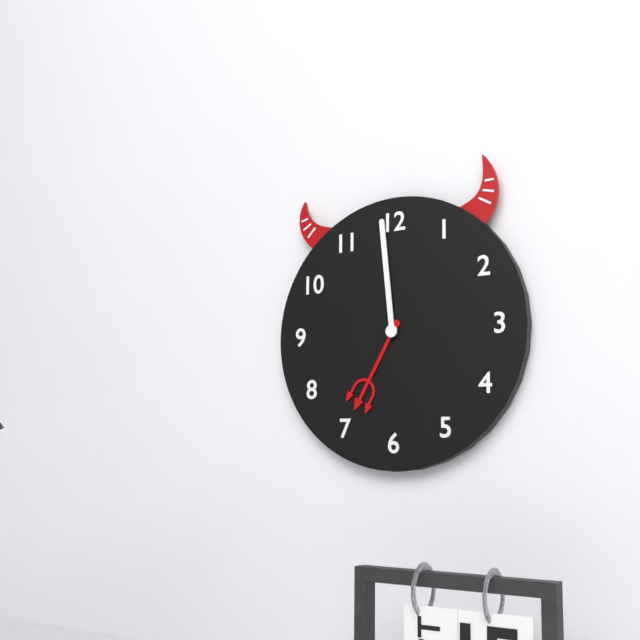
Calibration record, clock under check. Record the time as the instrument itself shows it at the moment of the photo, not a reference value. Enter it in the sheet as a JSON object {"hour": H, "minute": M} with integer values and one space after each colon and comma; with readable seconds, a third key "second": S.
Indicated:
{"hour": 6, "minute": 59}
